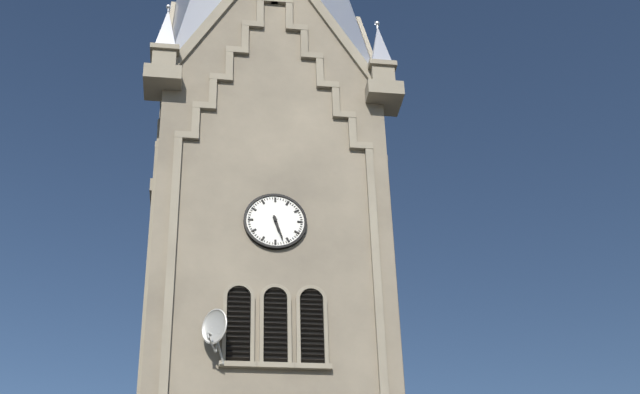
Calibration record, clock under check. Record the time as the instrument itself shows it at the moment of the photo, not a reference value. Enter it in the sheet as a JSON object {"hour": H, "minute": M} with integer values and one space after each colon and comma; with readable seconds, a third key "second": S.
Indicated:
{"hour": 5, "minute": 27}
